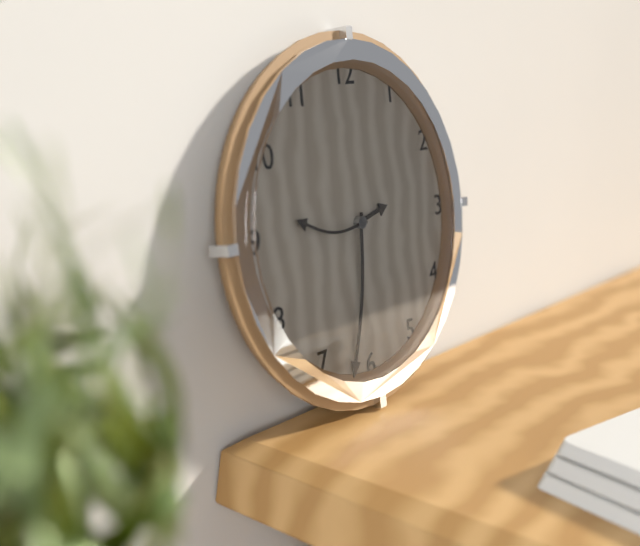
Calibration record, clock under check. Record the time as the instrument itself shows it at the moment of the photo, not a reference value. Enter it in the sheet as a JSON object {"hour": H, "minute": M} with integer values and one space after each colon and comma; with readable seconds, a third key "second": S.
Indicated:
{"hour": 2, "minute": 32, "second": 46}
